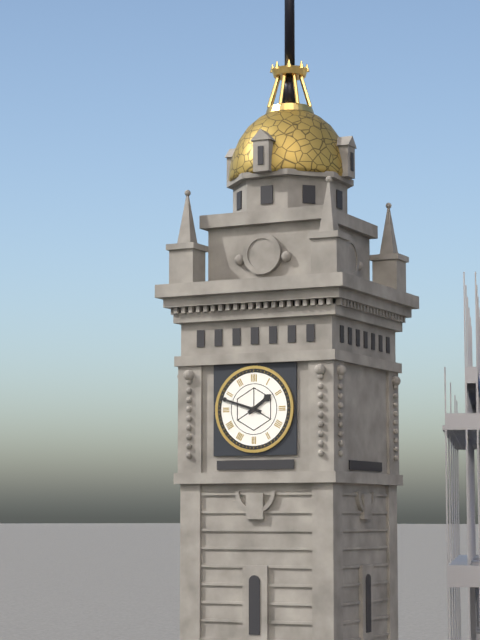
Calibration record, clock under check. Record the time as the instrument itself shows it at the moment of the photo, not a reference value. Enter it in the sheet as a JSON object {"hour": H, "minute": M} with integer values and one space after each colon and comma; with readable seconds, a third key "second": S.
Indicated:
{"hour": 1, "minute": 48}
